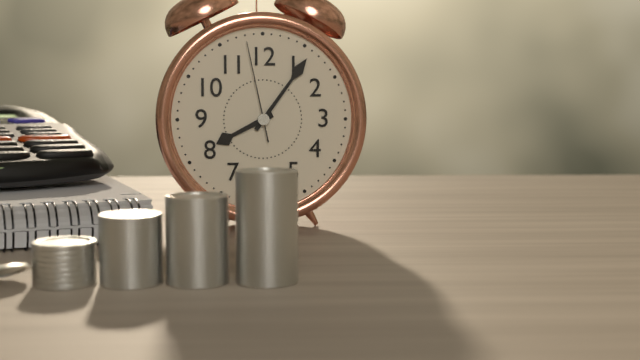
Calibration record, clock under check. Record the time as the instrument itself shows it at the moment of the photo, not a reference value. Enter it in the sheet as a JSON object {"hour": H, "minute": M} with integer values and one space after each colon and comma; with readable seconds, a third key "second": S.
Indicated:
{"hour": 8, "minute": 6, "second": 58}
